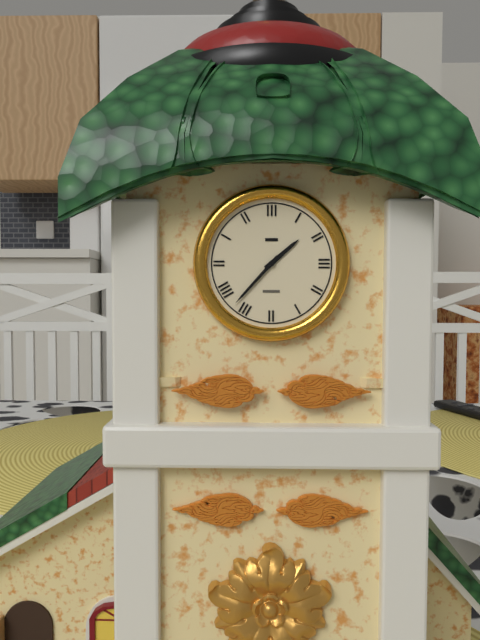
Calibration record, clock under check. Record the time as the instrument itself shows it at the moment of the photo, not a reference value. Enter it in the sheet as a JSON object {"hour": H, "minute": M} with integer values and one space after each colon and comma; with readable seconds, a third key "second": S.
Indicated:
{"hour": 1, "minute": 37}
